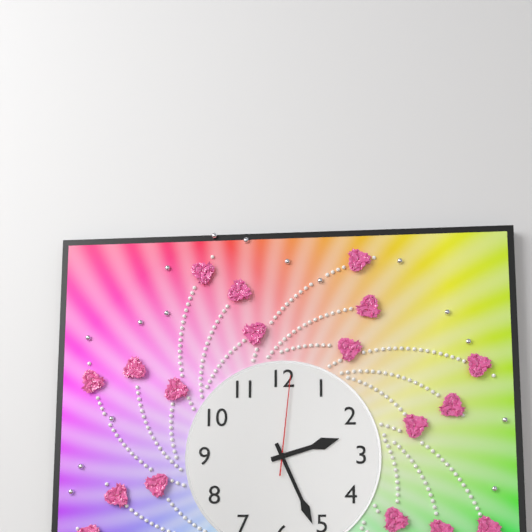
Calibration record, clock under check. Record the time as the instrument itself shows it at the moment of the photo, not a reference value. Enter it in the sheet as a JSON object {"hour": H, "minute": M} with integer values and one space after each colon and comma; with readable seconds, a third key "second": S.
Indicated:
{"hour": 2, "minute": 26, "second": 1}
